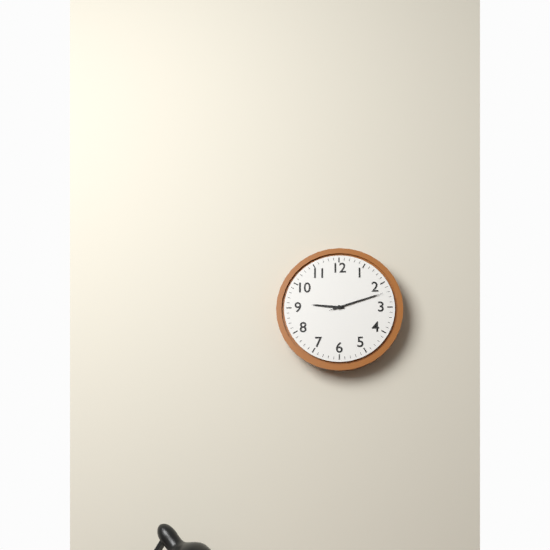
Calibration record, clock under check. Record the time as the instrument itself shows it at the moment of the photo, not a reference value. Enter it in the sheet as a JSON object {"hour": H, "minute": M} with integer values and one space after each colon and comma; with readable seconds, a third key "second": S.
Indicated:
{"hour": 9, "minute": 12, "second": 12}
